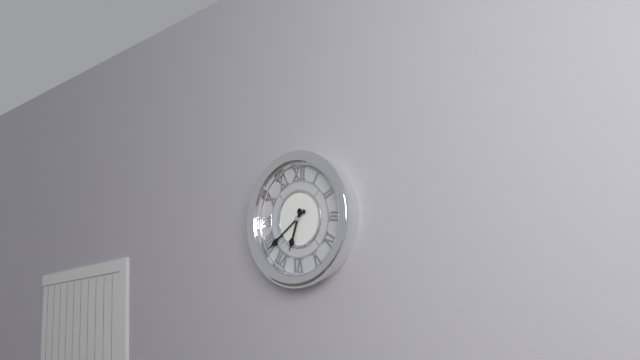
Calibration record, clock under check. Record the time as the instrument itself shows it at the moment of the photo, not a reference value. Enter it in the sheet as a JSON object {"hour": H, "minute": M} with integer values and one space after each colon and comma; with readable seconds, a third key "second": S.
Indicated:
{"hour": 6, "minute": 39}
